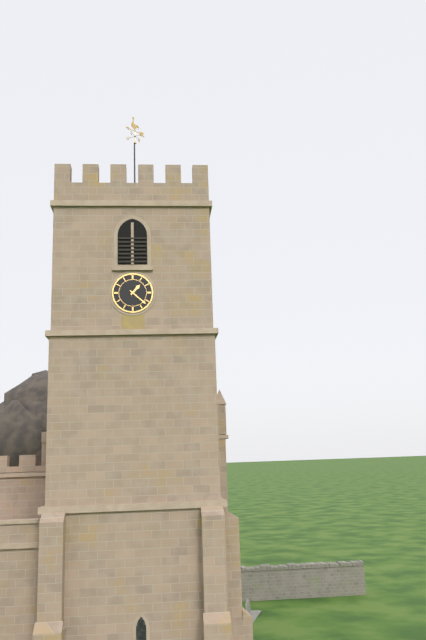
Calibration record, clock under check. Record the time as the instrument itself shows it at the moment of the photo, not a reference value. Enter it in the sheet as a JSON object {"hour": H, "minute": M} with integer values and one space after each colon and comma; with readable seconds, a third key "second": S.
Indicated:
{"hour": 1, "minute": 22}
